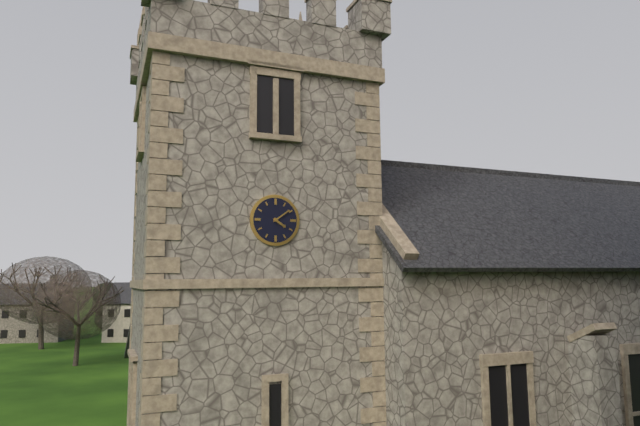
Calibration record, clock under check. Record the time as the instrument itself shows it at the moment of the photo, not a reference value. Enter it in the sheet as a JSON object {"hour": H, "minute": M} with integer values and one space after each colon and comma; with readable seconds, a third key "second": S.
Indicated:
{"hour": 4, "minute": 9}
